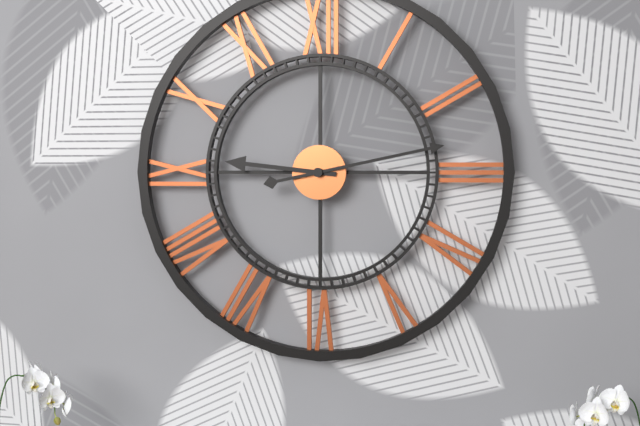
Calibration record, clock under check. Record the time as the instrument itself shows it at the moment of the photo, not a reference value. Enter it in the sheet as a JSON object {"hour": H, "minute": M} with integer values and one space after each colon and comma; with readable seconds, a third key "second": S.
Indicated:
{"hour": 9, "minute": 13}
